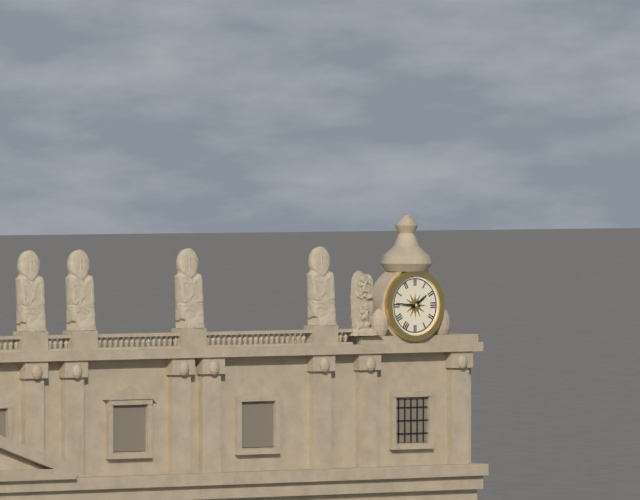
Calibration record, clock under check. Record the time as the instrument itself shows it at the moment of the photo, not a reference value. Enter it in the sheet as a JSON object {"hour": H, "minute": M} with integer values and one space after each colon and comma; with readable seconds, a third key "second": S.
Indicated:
{"hour": 1, "minute": 46}
